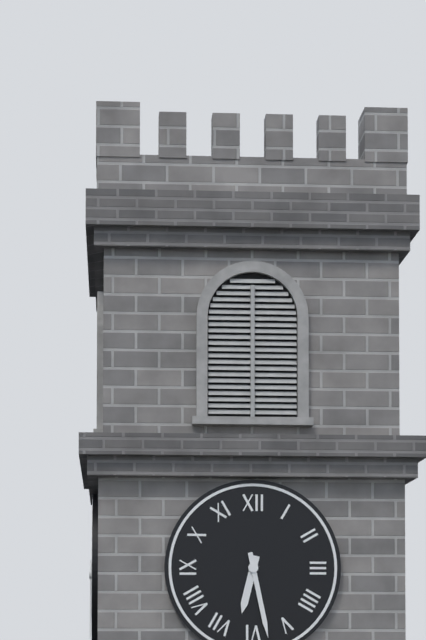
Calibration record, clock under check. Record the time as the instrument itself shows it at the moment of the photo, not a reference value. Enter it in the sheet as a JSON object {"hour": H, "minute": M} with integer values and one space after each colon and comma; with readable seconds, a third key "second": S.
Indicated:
{"hour": 6, "minute": 28}
